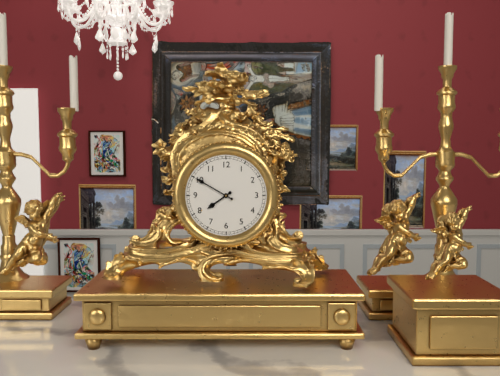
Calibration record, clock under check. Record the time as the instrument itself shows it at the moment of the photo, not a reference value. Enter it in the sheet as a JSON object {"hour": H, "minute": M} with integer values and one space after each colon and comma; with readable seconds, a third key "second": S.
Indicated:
{"hour": 7, "minute": 50}
